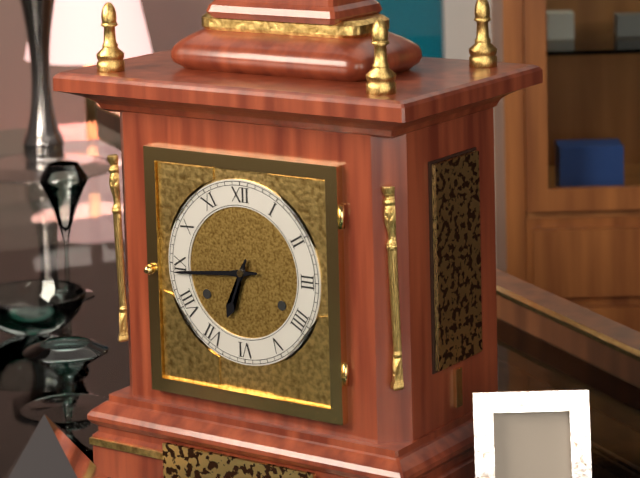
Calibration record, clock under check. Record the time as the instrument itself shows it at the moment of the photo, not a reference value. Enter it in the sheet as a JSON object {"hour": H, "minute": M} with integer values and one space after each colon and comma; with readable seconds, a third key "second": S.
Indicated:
{"hour": 6, "minute": 44}
